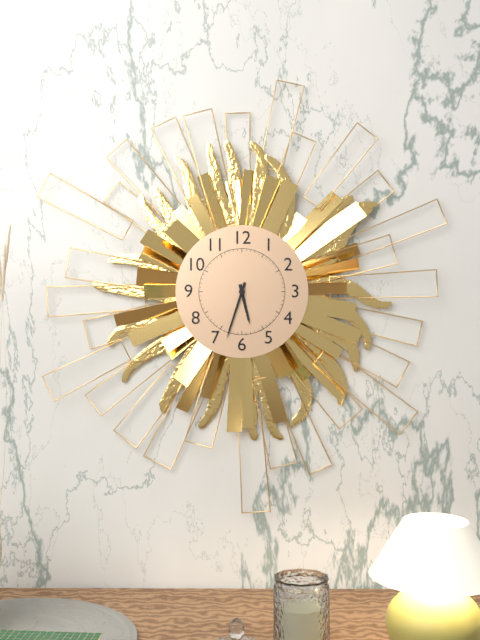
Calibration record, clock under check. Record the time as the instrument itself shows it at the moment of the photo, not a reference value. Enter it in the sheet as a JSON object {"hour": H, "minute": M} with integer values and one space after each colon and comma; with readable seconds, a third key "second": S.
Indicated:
{"hour": 5, "minute": 33}
